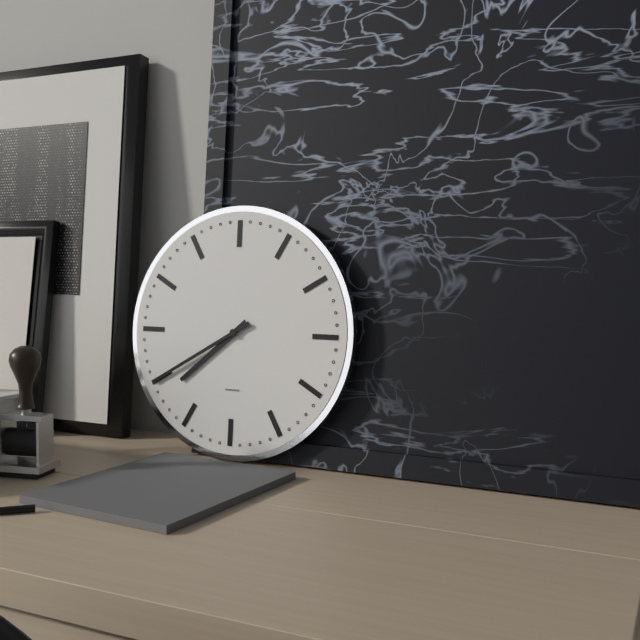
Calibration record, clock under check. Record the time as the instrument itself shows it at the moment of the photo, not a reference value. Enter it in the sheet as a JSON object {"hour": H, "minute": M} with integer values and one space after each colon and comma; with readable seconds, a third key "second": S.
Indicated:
{"hour": 7, "minute": 40}
